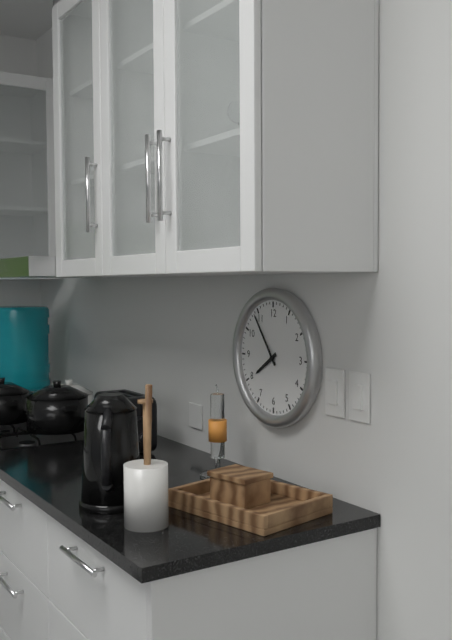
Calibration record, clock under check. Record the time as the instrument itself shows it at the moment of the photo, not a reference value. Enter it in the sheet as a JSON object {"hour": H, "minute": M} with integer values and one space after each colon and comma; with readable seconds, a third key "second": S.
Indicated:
{"hour": 7, "minute": 54}
